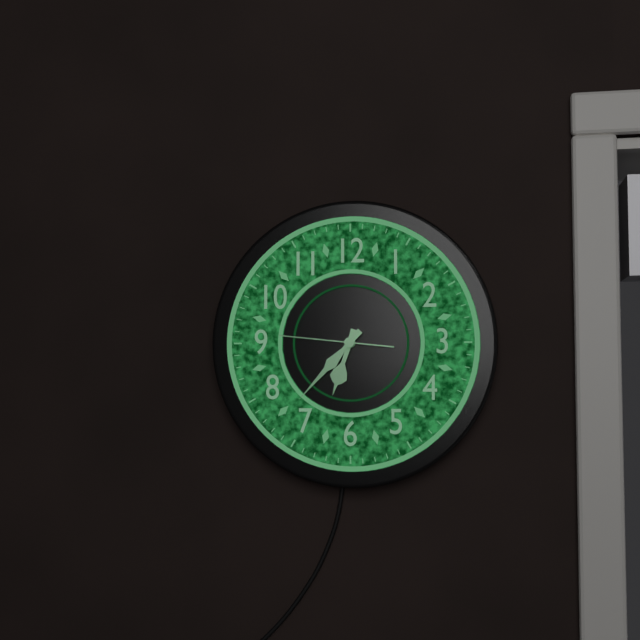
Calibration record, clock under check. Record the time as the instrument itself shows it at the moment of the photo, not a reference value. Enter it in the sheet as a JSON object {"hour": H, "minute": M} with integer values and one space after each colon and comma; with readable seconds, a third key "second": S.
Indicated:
{"hour": 6, "minute": 37, "second": 46}
